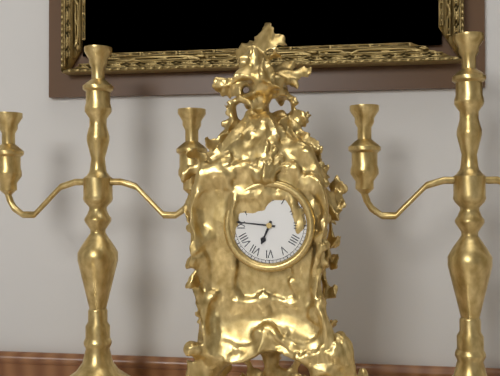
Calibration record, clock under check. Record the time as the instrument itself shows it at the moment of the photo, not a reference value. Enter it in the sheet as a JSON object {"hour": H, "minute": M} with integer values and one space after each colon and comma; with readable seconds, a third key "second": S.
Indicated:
{"hour": 6, "minute": 46}
